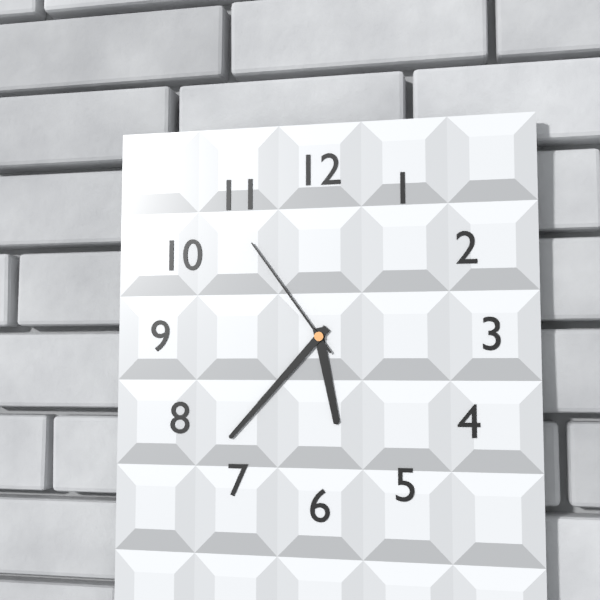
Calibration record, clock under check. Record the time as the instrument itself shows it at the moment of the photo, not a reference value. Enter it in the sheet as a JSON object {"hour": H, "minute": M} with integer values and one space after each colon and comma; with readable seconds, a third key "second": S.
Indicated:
{"hour": 5, "minute": 37, "second": 54}
